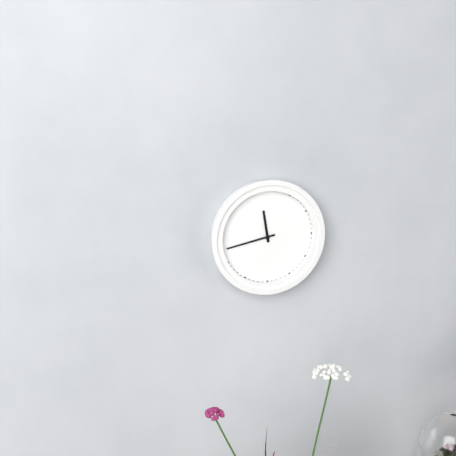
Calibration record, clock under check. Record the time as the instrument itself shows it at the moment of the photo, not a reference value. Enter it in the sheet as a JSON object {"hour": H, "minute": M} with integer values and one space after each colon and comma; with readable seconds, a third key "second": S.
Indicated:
{"hour": 11, "minute": 43}
